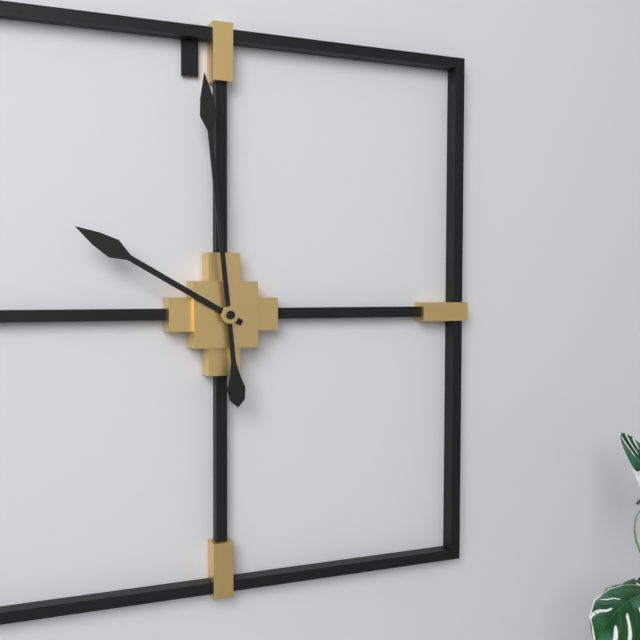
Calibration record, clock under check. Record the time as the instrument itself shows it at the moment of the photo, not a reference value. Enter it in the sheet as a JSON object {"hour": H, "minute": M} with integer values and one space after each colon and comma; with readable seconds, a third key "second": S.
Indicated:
{"hour": 9, "minute": 59}
